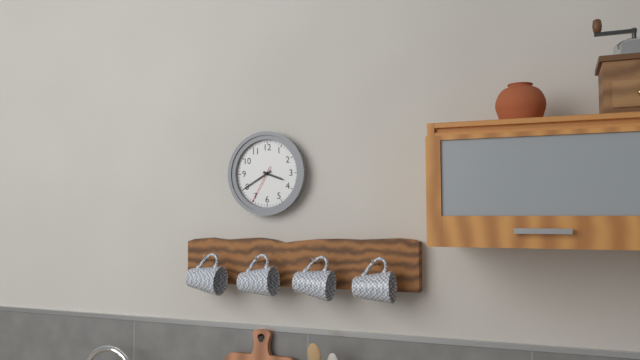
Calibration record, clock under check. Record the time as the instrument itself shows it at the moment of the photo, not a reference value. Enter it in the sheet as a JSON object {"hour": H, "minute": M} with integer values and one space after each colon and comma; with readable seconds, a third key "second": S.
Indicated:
{"hour": 3, "minute": 40}
